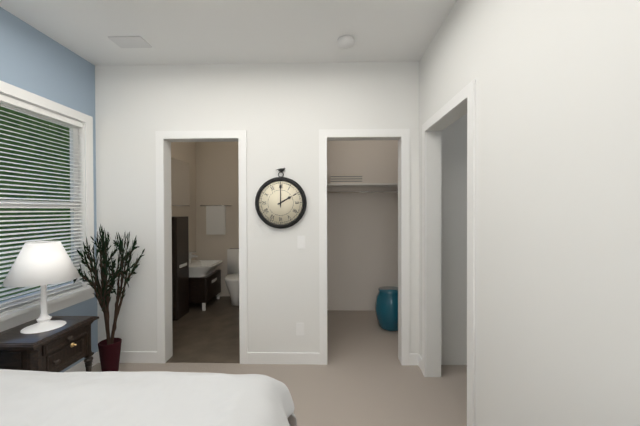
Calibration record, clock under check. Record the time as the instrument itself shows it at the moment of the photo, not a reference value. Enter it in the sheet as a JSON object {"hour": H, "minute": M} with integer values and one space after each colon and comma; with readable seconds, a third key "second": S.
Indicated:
{"hour": 2, "minute": 0}
